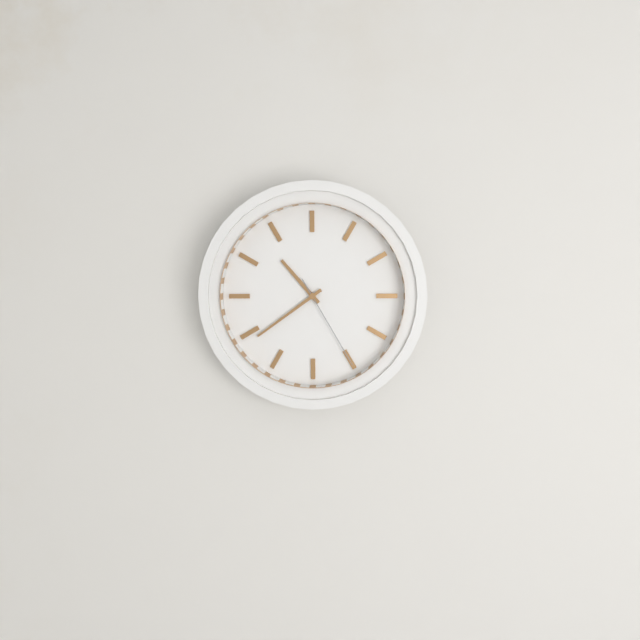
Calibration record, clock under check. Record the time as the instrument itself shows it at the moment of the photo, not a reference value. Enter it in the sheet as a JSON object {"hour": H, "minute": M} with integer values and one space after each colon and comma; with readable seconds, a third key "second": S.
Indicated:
{"hour": 10, "minute": 39, "second": 25}
